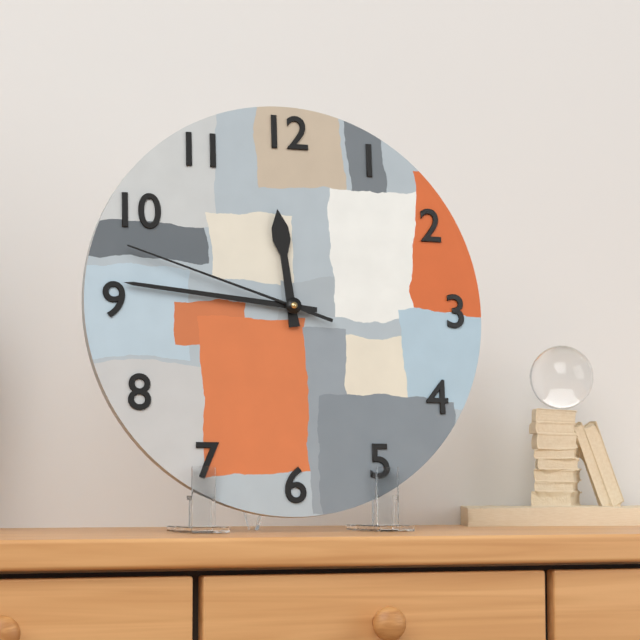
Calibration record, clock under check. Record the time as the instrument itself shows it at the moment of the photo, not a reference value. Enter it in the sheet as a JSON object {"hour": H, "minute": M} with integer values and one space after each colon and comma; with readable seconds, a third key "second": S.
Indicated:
{"hour": 11, "minute": 46, "second": 48}
